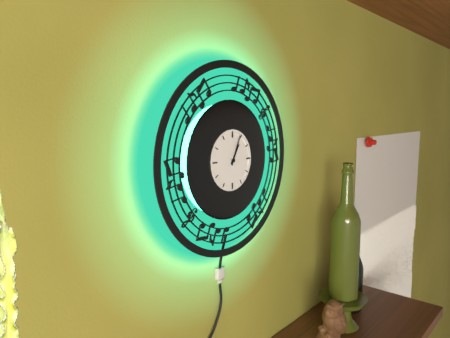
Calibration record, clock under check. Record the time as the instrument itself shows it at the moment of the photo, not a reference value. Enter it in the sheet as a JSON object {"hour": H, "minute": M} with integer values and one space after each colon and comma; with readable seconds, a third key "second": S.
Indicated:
{"hour": 1, "minute": 4}
